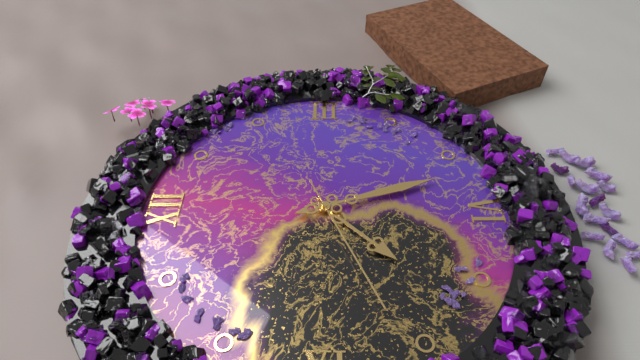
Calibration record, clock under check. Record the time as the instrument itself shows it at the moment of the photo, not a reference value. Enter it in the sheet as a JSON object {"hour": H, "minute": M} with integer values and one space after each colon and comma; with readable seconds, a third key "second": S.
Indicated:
{"hour": 7, "minute": 27, "second": 41}
